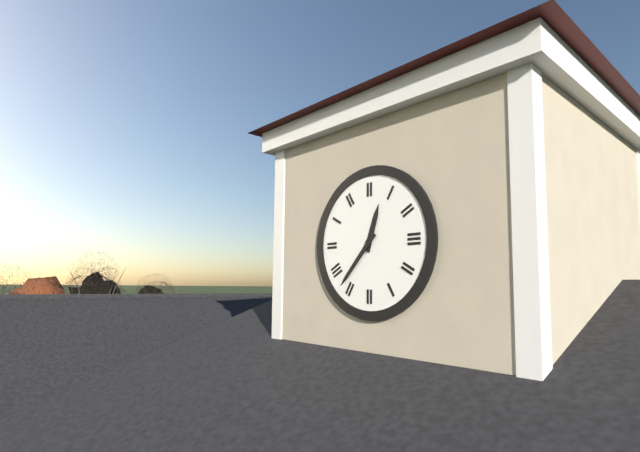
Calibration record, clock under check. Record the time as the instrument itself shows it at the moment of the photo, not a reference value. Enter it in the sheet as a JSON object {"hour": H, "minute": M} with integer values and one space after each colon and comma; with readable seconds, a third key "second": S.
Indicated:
{"hour": 12, "minute": 37}
